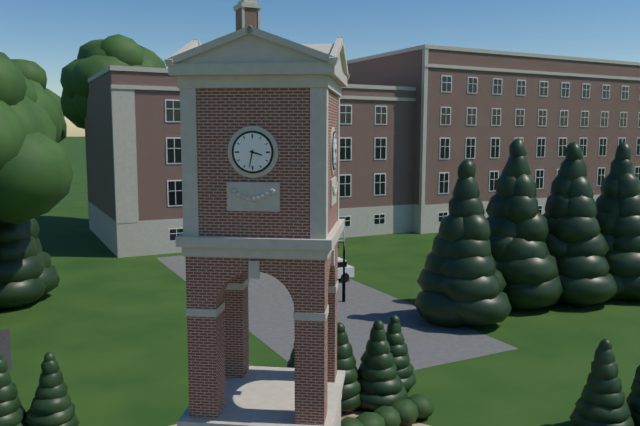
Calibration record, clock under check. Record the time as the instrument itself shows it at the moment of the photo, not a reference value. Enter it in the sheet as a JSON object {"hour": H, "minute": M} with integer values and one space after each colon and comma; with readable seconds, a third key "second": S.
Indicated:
{"hour": 3, "minute": 32}
